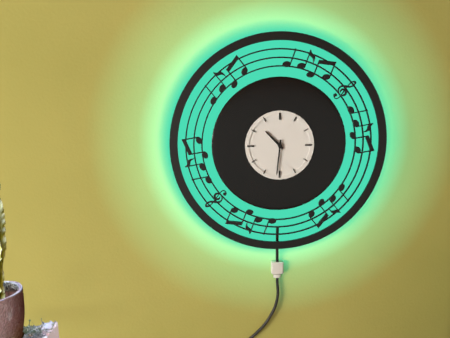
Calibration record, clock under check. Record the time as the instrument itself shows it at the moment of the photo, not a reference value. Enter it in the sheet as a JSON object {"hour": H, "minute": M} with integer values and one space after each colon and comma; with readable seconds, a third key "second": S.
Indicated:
{"hour": 10, "minute": 31}
